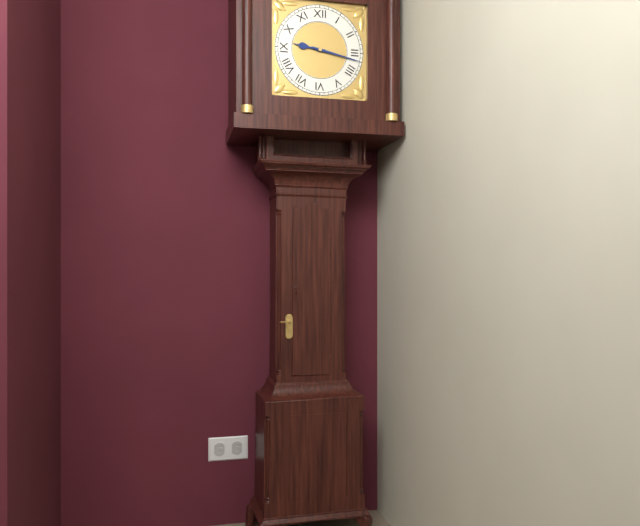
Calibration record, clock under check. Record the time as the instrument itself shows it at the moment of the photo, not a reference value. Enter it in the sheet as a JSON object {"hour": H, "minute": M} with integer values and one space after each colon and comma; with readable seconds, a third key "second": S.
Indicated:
{"hour": 9, "minute": 17}
